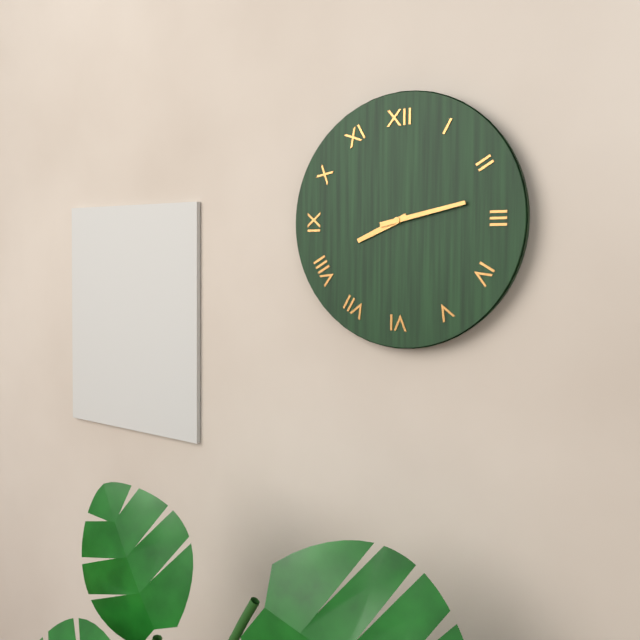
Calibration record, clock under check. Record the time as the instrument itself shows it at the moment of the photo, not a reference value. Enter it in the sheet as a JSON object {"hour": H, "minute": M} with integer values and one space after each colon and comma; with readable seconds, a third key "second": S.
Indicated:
{"hour": 8, "minute": 13}
